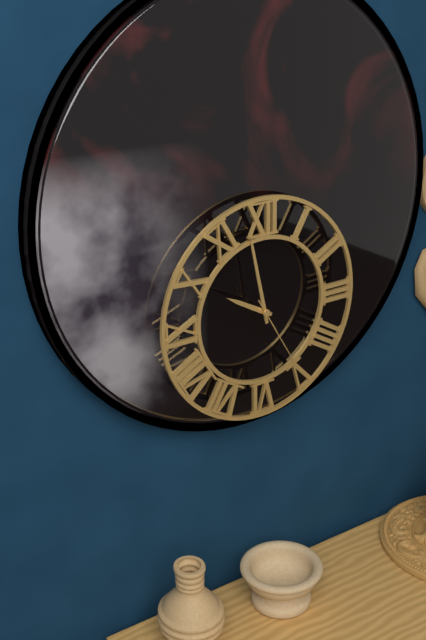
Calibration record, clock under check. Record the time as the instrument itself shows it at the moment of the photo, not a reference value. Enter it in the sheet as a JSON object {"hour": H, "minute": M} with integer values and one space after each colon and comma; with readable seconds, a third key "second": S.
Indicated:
{"hour": 9, "minute": 58, "second": 25}
